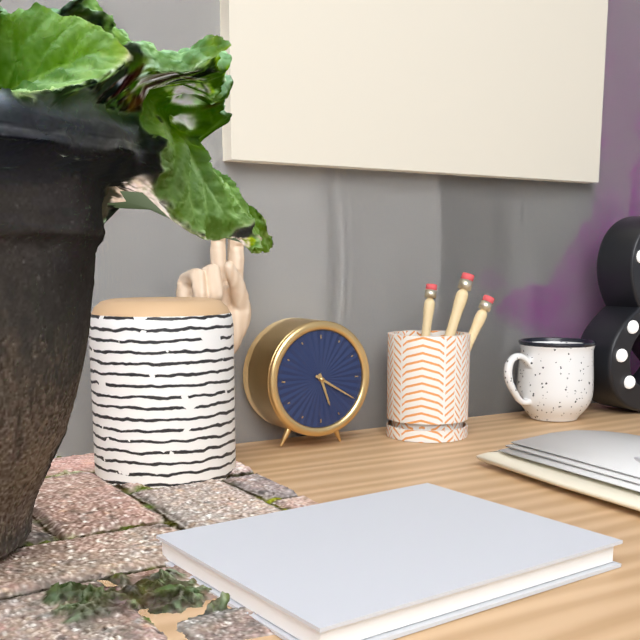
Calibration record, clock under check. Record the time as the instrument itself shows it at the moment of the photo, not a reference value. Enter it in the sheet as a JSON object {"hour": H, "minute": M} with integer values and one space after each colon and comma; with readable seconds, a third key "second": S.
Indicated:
{"hour": 5, "minute": 20}
